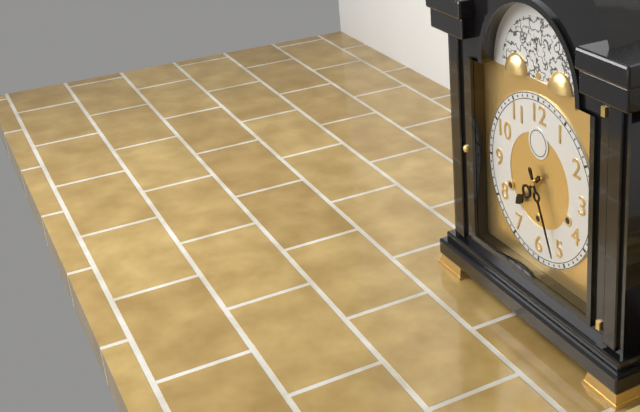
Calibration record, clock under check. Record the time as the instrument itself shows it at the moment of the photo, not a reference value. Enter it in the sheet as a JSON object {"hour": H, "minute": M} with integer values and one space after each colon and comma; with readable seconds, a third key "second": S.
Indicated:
{"hour": 7, "minute": 26}
